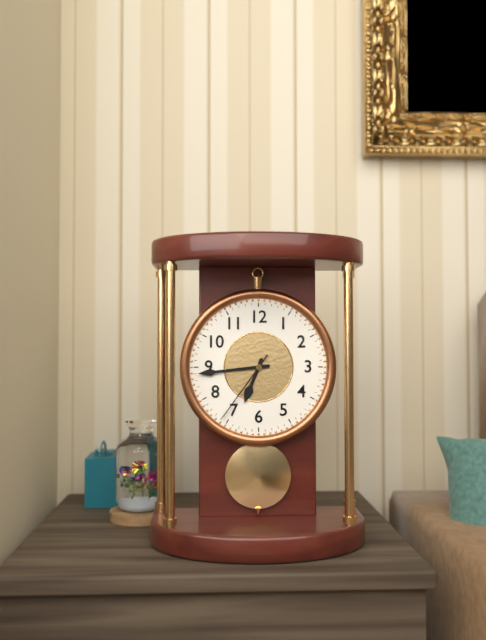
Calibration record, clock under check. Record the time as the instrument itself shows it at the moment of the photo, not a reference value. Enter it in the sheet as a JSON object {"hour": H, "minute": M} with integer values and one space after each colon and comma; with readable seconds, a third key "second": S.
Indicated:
{"hour": 6, "minute": 44, "second": 36}
